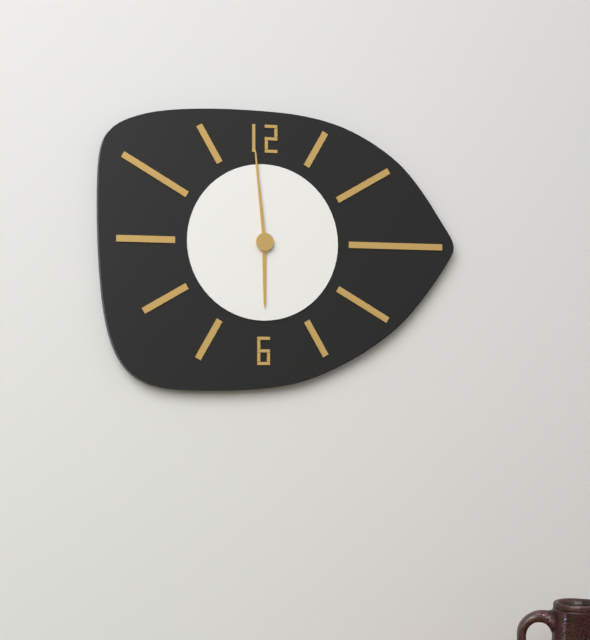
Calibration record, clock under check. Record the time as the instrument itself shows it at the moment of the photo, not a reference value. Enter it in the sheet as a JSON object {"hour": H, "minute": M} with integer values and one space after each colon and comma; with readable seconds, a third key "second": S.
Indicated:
{"hour": 5, "minute": 59}
